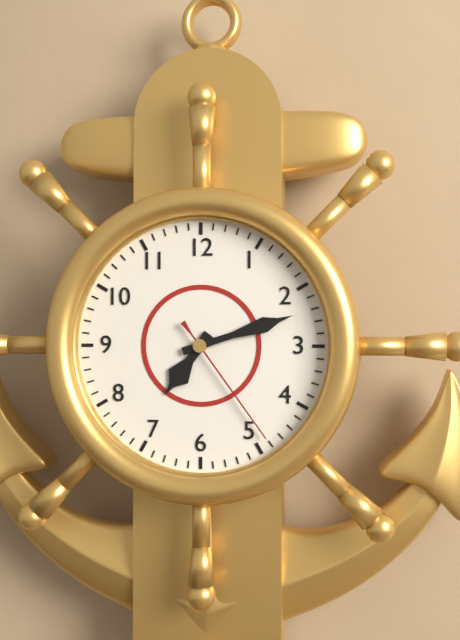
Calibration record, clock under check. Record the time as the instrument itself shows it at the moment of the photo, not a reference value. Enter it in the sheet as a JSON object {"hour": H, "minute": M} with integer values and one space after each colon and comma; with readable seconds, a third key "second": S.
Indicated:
{"hour": 7, "minute": 12, "second": 24}
